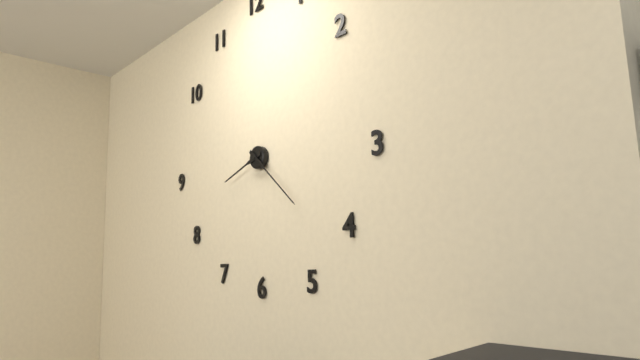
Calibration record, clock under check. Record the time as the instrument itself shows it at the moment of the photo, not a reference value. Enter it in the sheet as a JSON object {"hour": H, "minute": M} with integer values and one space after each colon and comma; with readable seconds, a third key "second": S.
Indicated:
{"hour": 8, "minute": 22}
